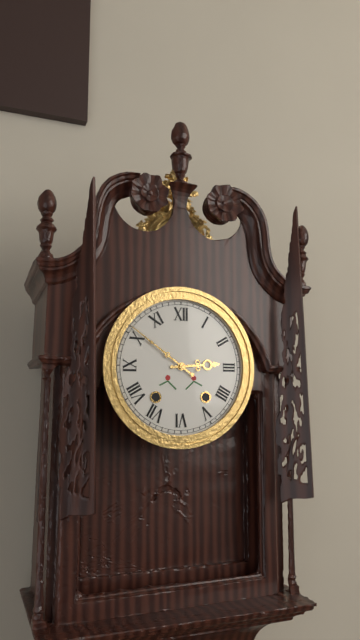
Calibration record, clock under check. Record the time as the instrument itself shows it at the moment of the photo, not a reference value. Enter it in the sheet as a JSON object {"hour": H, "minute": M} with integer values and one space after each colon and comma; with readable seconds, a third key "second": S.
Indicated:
{"hour": 2, "minute": 51}
